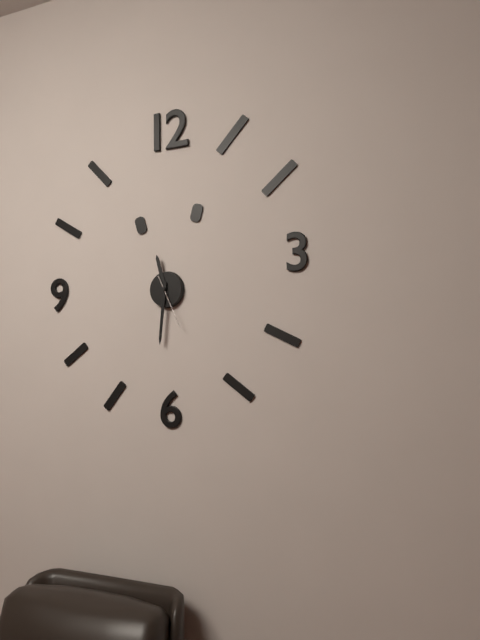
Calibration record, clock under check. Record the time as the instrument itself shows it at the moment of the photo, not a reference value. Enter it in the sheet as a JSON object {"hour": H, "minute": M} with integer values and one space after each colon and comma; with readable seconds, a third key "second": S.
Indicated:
{"hour": 11, "minute": 31, "second": 26}
